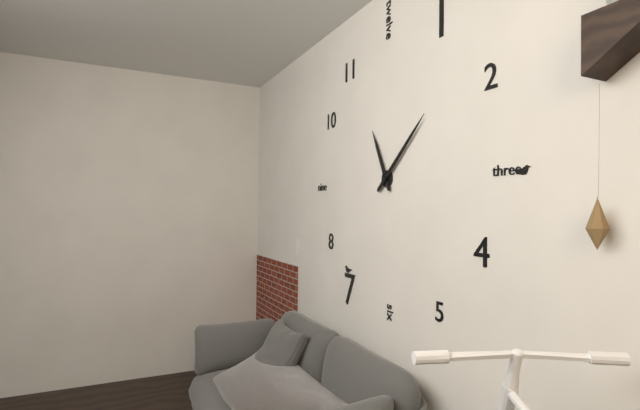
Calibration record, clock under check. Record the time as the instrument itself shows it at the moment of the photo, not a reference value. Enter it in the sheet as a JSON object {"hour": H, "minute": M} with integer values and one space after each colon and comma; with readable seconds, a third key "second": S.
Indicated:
{"hour": 11, "minute": 8}
